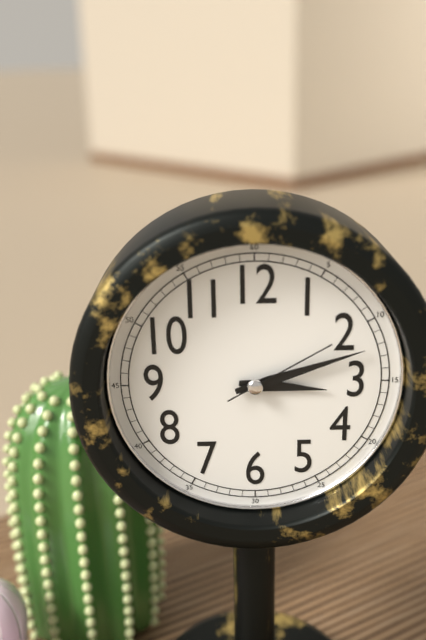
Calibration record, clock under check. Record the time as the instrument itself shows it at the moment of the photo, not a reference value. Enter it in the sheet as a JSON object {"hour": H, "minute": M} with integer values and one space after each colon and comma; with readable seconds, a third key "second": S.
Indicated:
{"hour": 3, "minute": 12, "second": 10}
